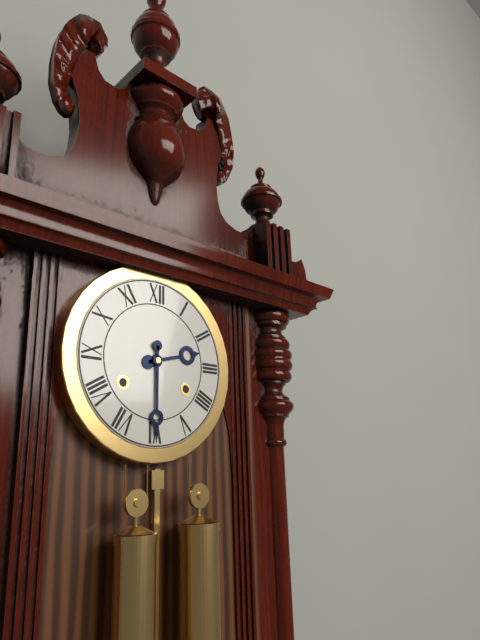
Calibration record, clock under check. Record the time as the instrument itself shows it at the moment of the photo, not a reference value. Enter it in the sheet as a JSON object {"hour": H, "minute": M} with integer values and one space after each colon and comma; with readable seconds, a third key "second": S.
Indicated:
{"hour": 2, "minute": 30}
